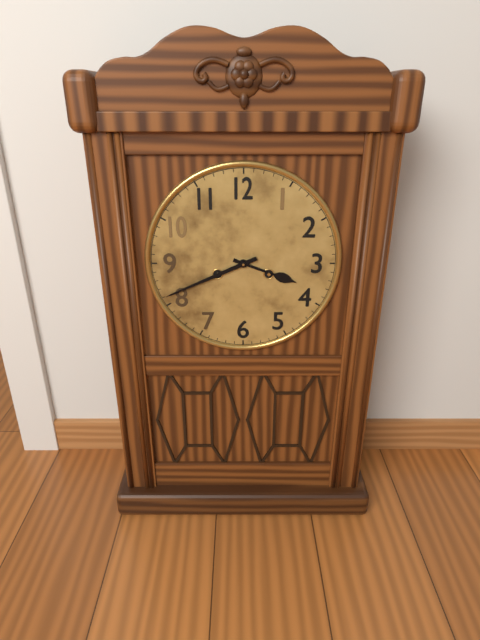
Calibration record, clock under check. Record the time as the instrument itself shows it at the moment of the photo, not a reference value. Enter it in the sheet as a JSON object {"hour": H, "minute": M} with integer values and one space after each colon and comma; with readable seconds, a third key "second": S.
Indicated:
{"hour": 3, "minute": 41}
